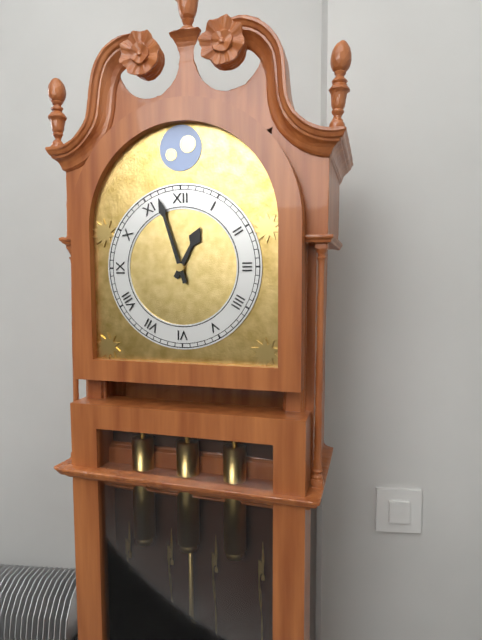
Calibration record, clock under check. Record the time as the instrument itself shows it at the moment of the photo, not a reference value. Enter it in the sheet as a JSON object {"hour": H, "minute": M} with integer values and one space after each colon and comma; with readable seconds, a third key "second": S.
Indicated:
{"hour": 12, "minute": 57}
